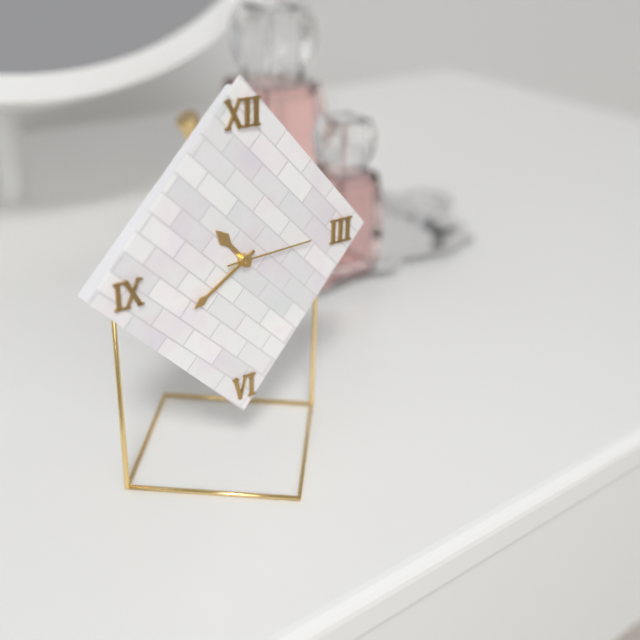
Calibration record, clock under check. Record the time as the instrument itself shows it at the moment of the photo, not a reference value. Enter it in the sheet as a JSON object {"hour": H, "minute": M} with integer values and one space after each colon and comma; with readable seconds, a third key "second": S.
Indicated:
{"hour": 10, "minute": 40, "second": 15}
